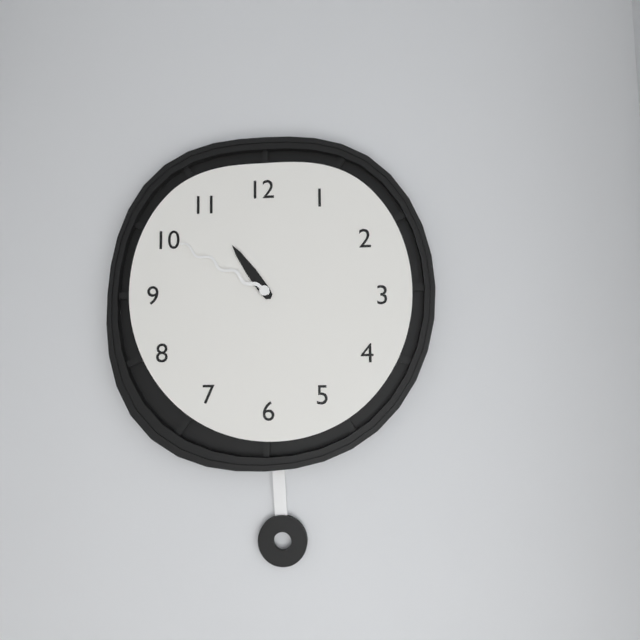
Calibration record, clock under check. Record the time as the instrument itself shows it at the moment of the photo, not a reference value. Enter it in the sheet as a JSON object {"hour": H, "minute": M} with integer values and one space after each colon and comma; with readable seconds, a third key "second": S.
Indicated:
{"hour": 10, "minute": 50}
